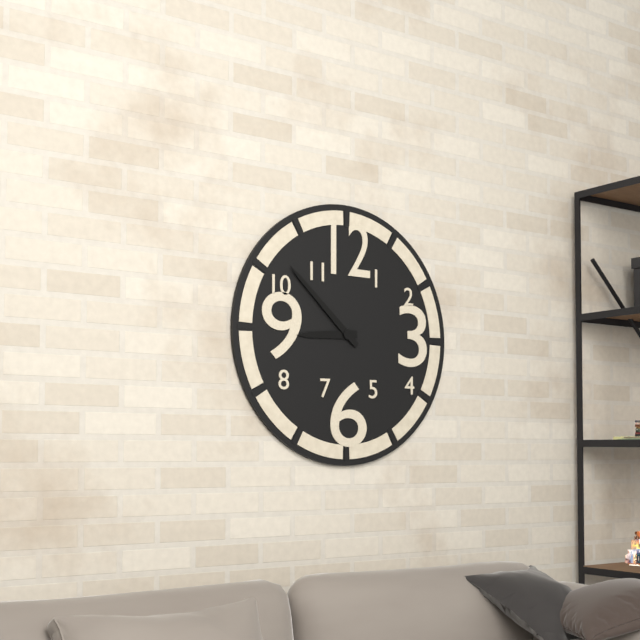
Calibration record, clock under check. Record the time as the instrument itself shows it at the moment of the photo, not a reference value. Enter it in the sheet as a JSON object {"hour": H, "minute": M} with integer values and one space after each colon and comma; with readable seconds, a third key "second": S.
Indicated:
{"hour": 8, "minute": 52}
